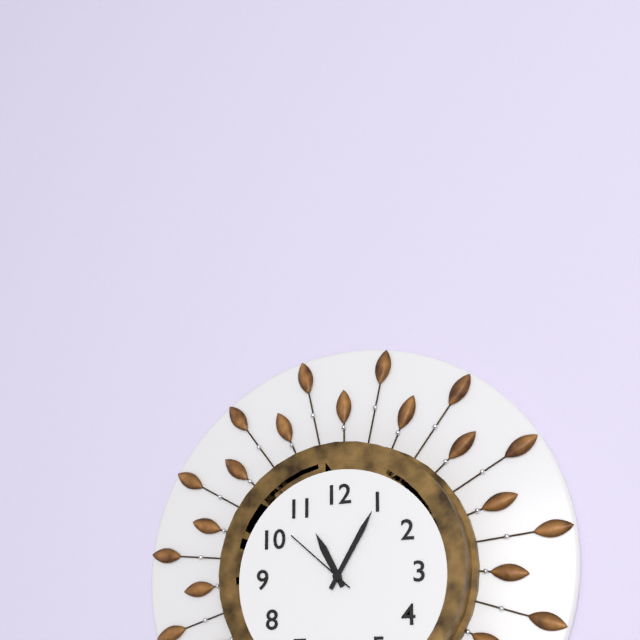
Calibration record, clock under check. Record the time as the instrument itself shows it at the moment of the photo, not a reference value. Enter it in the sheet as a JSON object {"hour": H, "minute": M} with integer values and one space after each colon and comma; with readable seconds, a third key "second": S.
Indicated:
{"hour": 11, "minute": 5, "second": 52}
